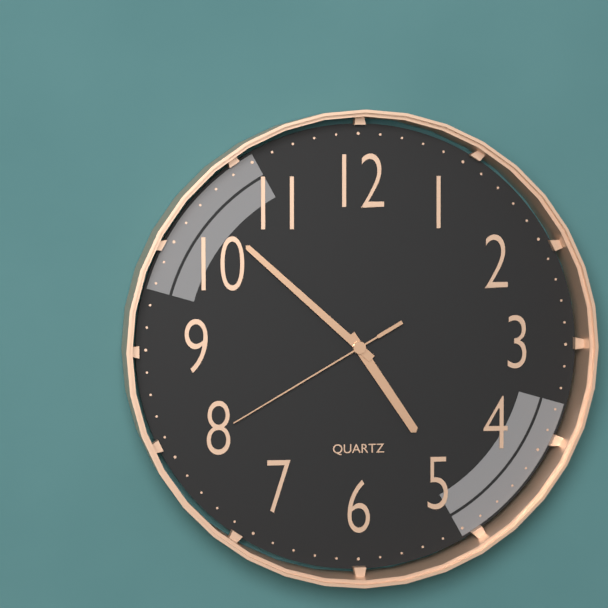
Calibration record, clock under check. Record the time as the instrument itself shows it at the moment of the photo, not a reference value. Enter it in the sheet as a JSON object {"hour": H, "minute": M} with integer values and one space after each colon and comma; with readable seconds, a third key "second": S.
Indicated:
{"hour": 4, "minute": 52, "second": 40}
